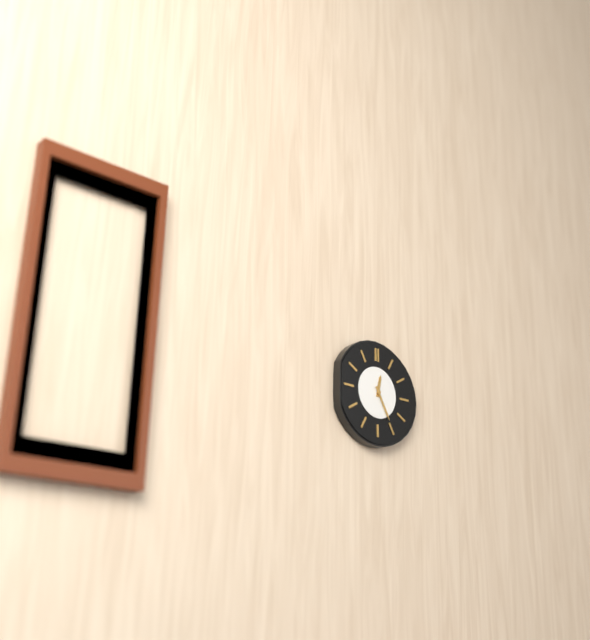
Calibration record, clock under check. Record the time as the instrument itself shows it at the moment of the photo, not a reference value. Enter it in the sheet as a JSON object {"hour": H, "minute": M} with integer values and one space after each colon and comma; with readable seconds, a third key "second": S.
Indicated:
{"hour": 12, "minute": 25}
